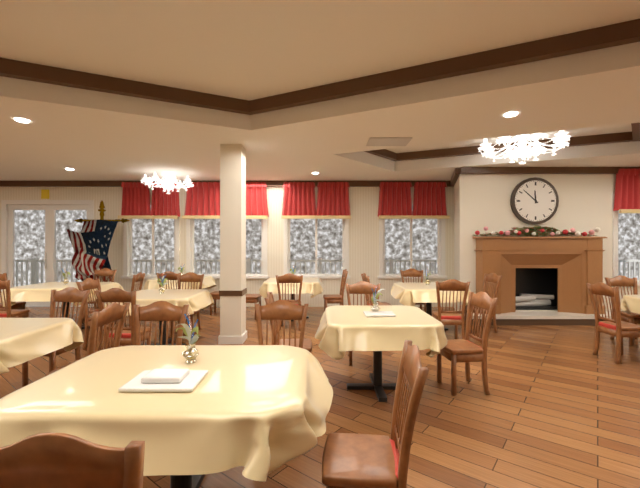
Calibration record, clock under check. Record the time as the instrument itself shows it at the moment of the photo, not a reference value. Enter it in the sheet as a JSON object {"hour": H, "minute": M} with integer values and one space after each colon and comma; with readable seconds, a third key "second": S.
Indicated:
{"hour": 11, "minute": 52}
